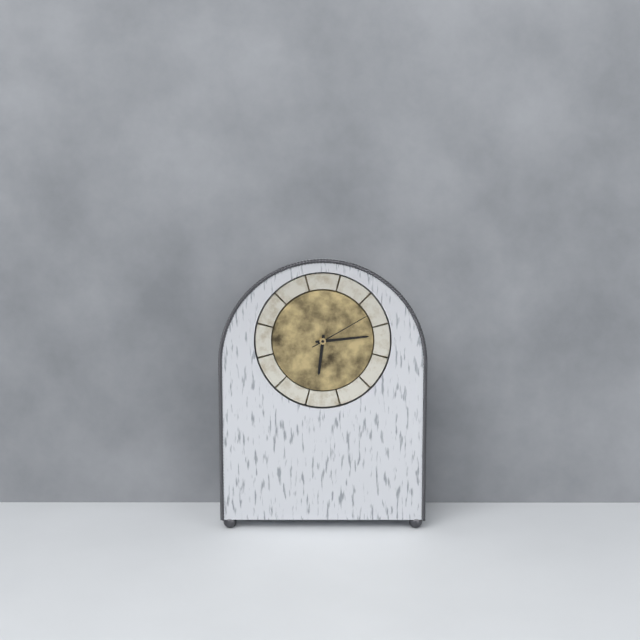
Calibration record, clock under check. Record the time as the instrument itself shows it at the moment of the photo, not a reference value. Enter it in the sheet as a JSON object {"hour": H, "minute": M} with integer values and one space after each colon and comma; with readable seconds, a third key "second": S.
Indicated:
{"hour": 6, "minute": 14, "second": 10}
